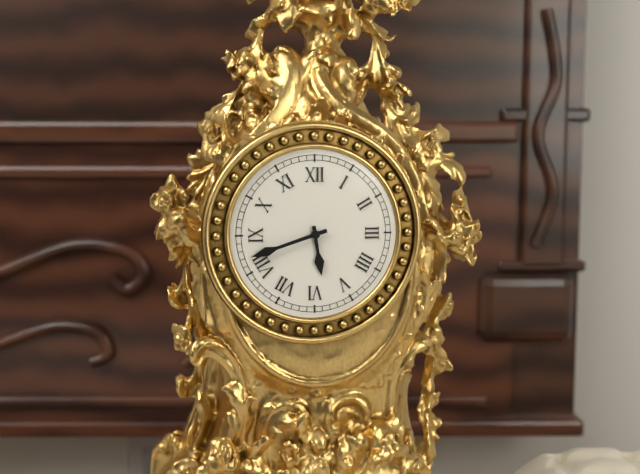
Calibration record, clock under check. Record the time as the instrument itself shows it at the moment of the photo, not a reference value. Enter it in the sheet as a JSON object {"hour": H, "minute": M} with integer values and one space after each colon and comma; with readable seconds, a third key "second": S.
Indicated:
{"hour": 5, "minute": 42}
